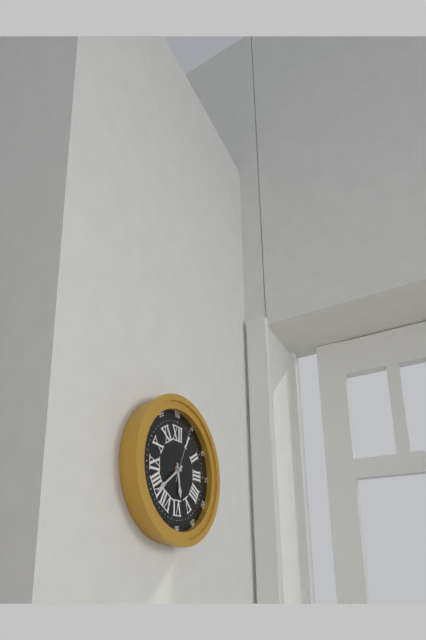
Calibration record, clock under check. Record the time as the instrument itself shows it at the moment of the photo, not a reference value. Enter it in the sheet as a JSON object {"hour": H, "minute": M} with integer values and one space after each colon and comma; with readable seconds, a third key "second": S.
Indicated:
{"hour": 5, "minute": 39, "second": 4}
